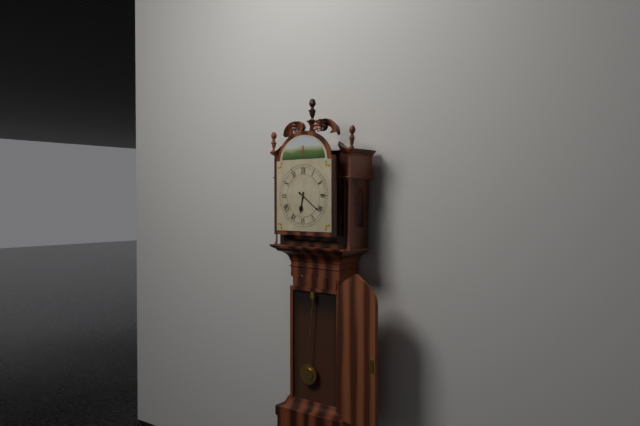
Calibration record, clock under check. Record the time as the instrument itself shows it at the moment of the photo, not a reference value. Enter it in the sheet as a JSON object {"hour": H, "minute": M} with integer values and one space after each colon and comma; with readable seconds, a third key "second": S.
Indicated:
{"hour": 6, "minute": 21}
